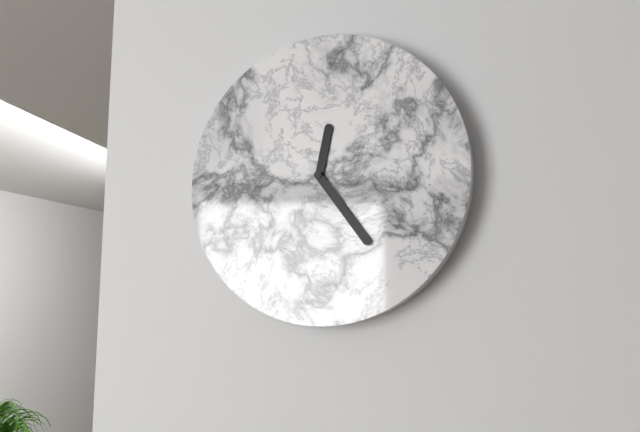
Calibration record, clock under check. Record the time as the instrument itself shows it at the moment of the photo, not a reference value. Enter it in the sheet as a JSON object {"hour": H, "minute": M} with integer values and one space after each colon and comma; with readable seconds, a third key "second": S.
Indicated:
{"hour": 12, "minute": 24}
